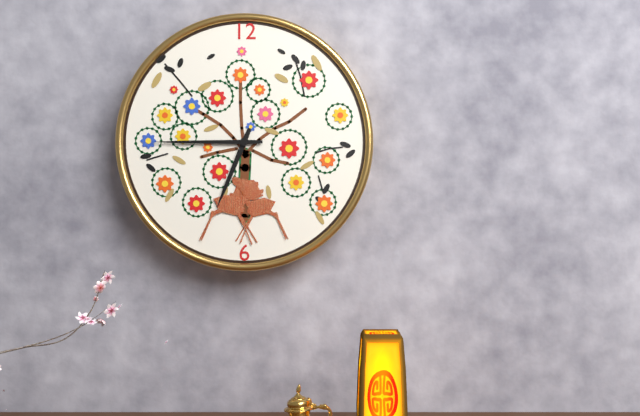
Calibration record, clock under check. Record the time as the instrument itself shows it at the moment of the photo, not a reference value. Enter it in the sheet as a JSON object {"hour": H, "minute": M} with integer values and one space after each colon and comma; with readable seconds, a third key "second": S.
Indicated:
{"hour": 6, "minute": 45}
